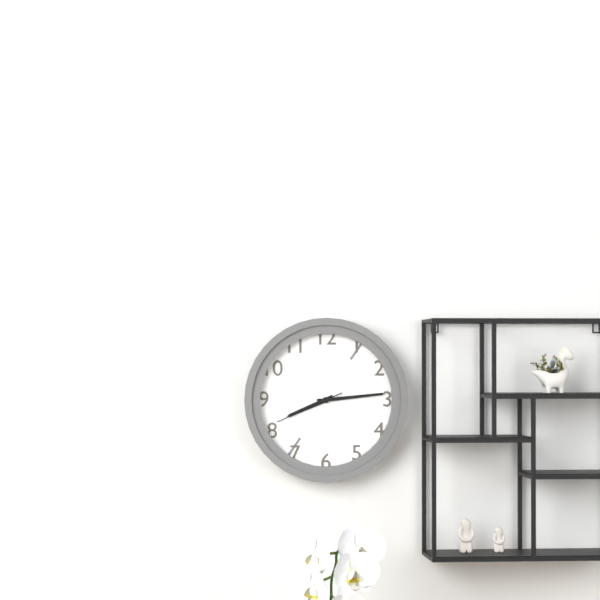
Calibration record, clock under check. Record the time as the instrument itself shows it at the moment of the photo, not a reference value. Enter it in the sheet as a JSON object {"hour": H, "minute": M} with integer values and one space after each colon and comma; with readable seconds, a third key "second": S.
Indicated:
{"hour": 8, "minute": 14, "second": 41}
